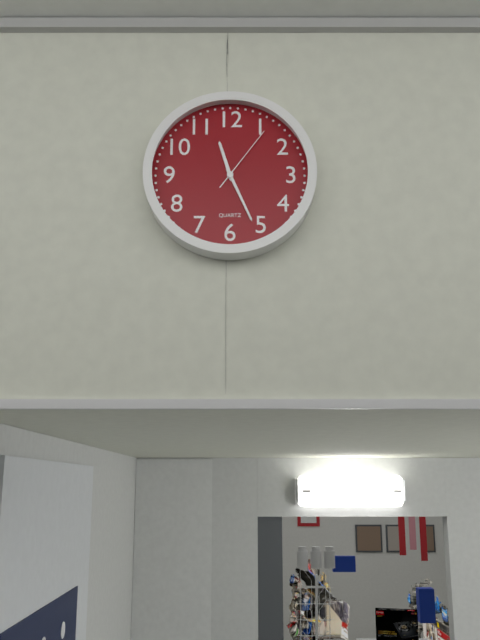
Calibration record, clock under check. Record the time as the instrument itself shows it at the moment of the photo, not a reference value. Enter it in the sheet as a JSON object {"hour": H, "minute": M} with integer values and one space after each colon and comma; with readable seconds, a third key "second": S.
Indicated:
{"hour": 11, "minute": 26, "second": 6}
